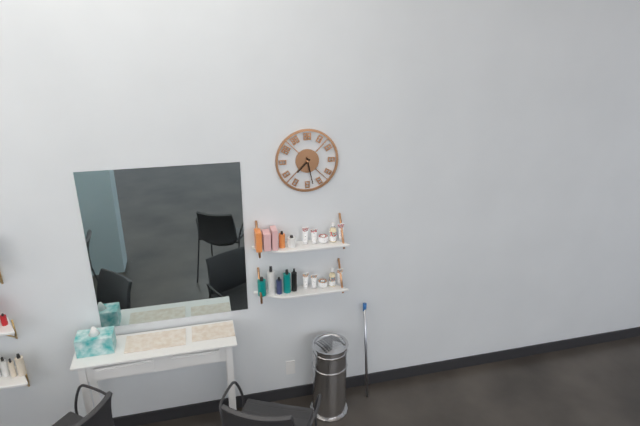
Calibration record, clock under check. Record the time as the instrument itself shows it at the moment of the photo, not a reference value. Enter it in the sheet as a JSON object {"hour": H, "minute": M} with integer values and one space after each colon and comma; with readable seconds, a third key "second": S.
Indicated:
{"hour": 7, "minute": 28}
